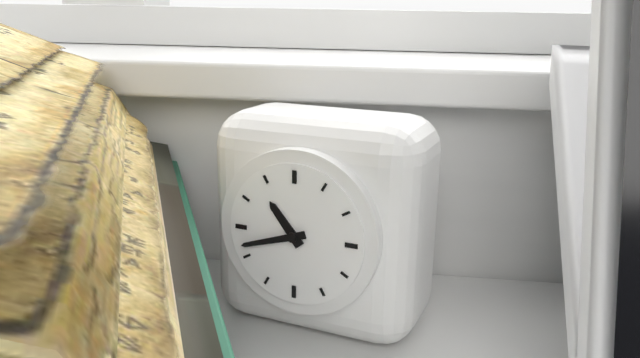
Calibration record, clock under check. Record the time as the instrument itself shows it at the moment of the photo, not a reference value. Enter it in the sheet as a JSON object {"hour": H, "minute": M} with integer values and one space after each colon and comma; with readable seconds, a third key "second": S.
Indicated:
{"hour": 10, "minute": 42}
